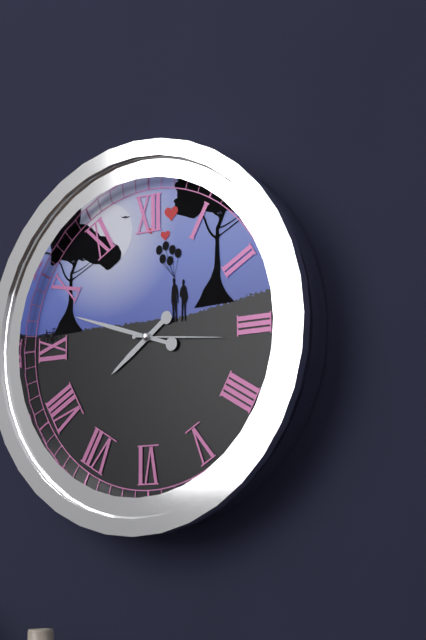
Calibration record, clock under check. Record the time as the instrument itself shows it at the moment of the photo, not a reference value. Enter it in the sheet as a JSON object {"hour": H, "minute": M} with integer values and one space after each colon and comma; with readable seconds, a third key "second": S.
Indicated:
{"hour": 7, "minute": 48, "second": 16}
